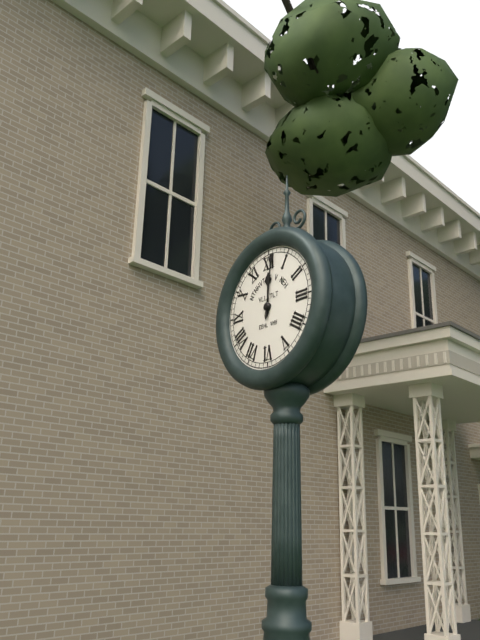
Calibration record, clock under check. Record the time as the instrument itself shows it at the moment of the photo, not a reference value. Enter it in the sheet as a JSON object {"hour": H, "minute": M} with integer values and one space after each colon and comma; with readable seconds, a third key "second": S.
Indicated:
{"hour": 12, "minute": 1}
